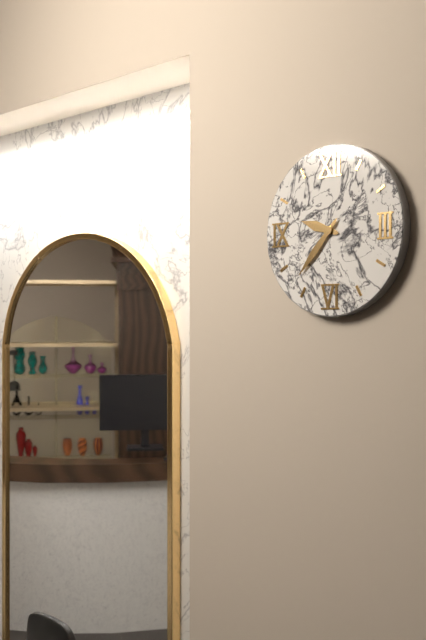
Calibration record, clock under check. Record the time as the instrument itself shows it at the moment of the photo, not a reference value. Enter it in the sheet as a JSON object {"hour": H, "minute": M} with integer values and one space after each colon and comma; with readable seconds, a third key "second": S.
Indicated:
{"hour": 9, "minute": 37}
